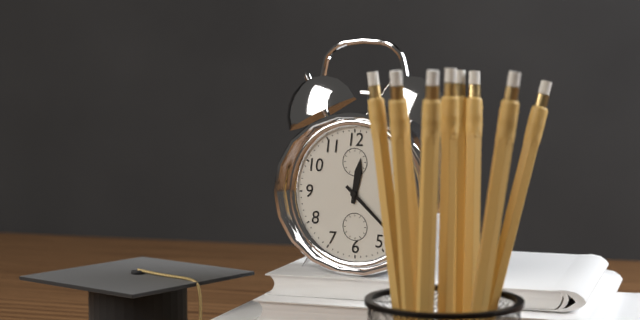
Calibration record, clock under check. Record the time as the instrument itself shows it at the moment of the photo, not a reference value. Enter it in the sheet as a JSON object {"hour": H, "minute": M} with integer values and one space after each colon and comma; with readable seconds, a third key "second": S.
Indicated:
{"hour": 12, "minute": 22}
